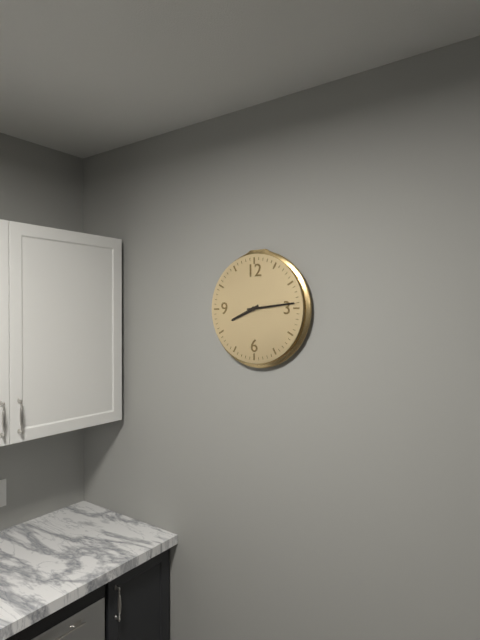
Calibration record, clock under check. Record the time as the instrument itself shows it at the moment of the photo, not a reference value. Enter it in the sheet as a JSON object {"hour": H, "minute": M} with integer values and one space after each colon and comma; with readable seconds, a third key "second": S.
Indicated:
{"hour": 8, "minute": 14}
